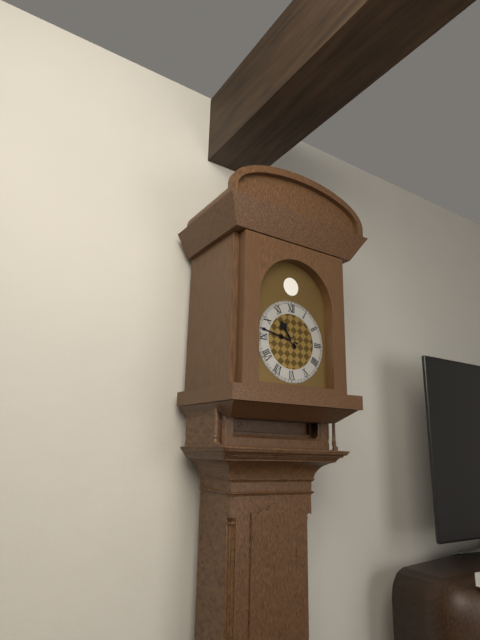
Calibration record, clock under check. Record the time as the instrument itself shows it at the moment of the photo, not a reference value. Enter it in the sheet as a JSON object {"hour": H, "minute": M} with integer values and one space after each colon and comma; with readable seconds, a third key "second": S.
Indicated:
{"hour": 10, "minute": 47}
